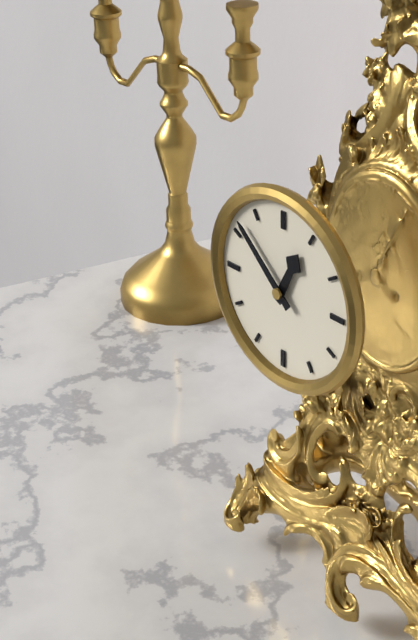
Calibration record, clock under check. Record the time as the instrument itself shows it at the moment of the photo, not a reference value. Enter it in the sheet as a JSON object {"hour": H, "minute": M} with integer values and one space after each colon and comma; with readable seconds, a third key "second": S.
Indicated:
{"hour": 12, "minute": 52}
